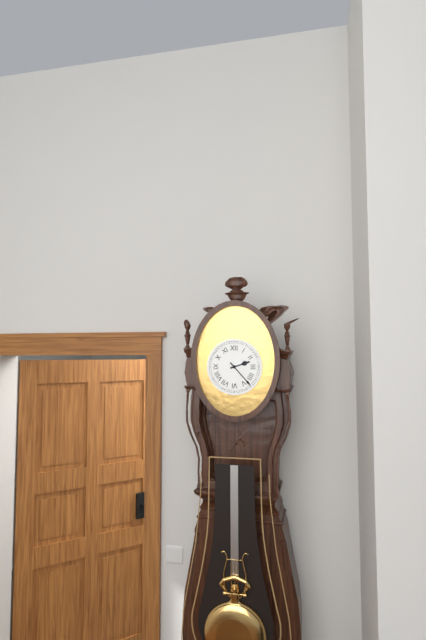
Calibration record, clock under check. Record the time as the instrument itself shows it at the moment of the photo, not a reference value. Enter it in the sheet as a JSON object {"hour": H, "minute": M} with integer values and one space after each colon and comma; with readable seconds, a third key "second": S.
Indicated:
{"hour": 2, "minute": 23}
